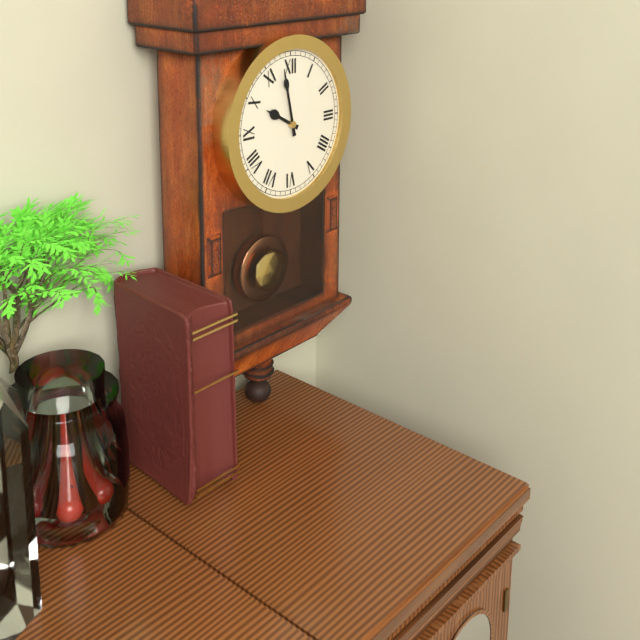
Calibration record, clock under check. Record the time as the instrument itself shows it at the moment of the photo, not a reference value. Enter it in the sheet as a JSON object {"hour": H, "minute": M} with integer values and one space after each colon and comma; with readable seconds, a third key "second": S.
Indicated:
{"hour": 9, "minute": 58}
